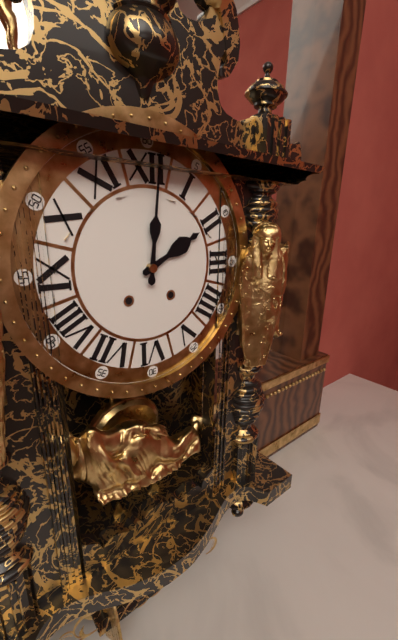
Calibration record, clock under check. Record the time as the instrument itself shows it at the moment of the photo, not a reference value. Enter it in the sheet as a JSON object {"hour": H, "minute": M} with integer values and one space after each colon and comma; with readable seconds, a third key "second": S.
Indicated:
{"hour": 2, "minute": 1}
